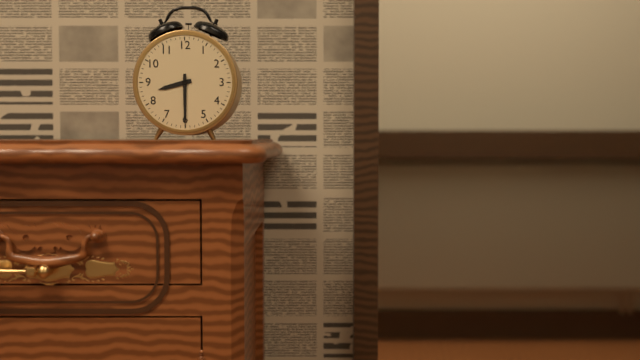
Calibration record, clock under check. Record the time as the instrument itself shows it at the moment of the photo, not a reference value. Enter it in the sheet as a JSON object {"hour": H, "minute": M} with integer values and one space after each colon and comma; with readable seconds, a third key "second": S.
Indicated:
{"hour": 8, "minute": 30}
